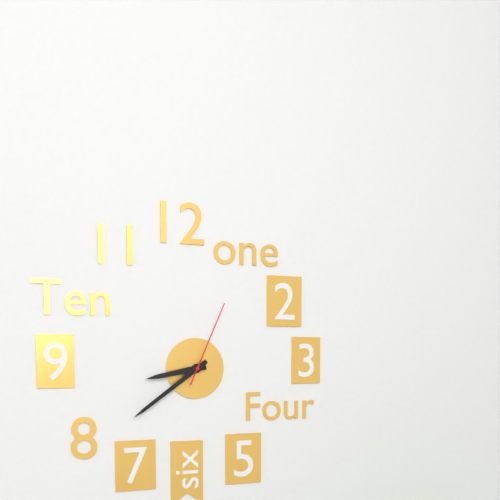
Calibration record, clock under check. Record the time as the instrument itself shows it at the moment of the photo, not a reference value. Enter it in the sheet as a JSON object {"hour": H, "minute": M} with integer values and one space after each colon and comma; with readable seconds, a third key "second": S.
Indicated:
{"hour": 8, "minute": 39, "second": 4}
